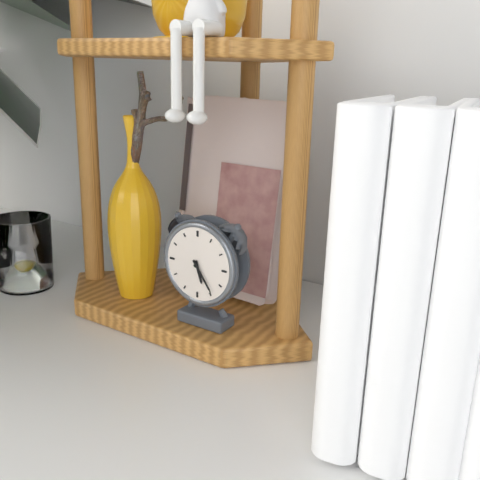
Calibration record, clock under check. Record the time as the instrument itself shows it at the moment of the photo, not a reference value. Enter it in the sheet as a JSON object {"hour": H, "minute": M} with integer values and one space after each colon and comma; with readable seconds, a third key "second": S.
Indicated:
{"hour": 5, "minute": 24}
